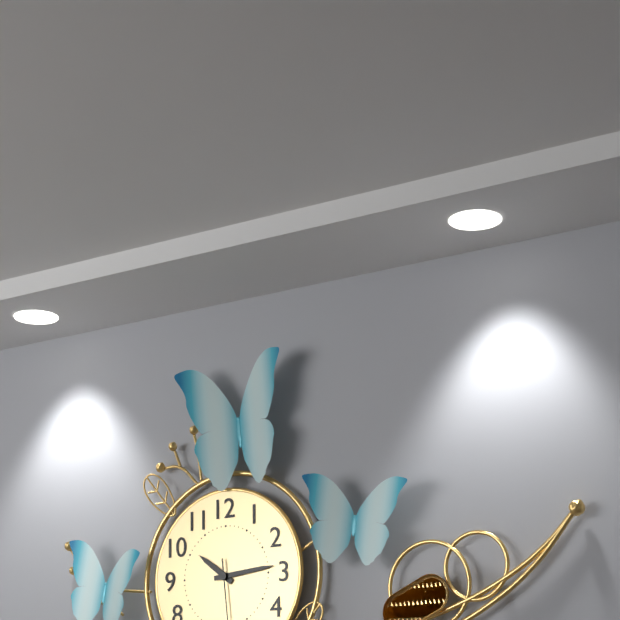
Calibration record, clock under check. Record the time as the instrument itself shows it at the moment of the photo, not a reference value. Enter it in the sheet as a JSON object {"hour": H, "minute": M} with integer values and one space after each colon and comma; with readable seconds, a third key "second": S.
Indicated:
{"hour": 10, "minute": 14}
